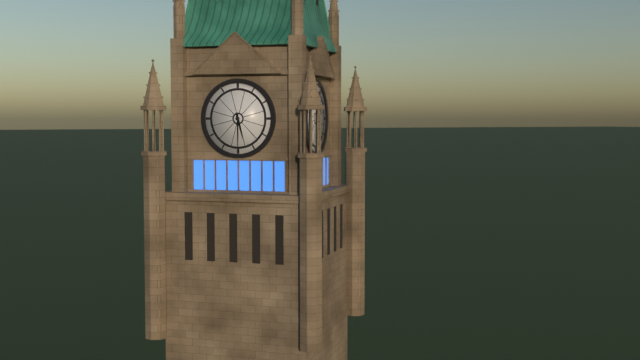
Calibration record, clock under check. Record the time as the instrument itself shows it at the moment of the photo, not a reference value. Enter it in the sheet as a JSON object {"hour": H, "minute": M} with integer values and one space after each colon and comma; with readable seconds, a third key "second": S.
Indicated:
{"hour": 5, "minute": 30}
